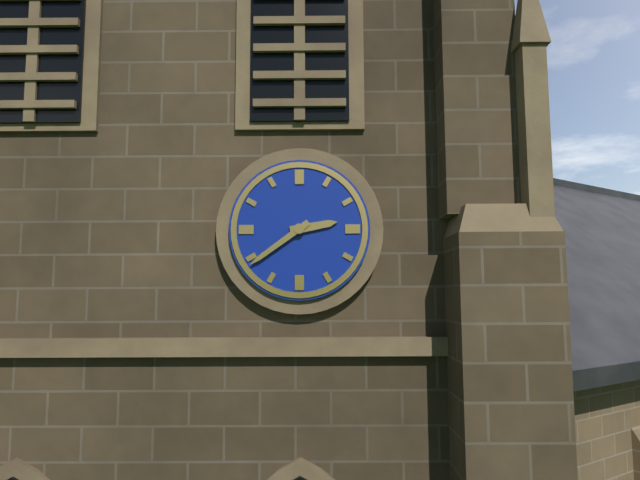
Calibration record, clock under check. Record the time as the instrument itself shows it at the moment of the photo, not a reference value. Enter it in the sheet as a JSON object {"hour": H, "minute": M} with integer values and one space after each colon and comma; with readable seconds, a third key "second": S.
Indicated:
{"hour": 2, "minute": 39}
